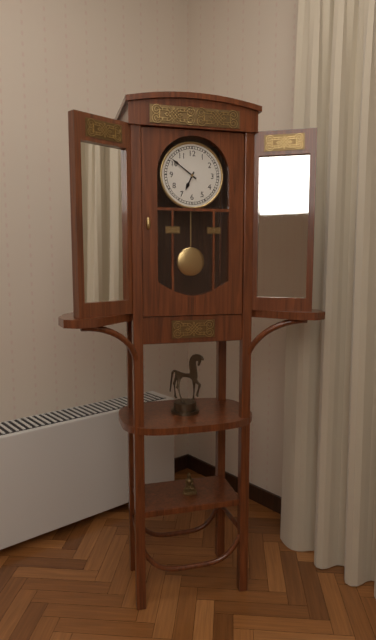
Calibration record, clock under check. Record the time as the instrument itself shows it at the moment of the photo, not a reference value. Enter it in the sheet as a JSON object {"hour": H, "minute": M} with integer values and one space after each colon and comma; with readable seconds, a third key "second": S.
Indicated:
{"hour": 6, "minute": 51}
